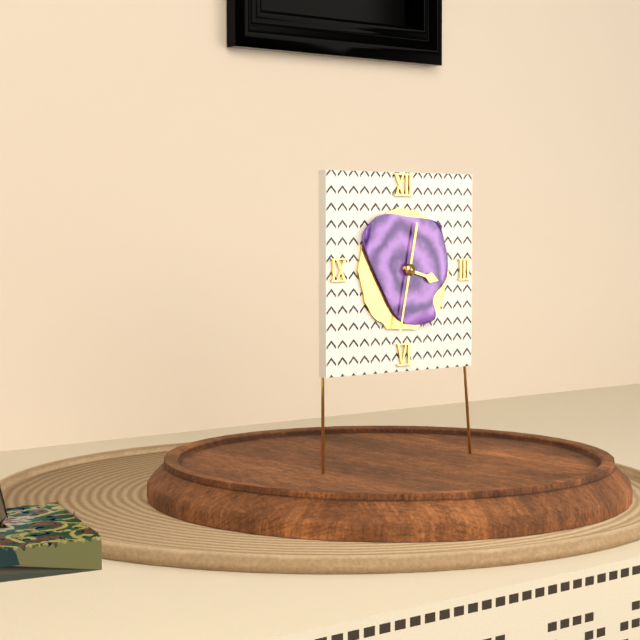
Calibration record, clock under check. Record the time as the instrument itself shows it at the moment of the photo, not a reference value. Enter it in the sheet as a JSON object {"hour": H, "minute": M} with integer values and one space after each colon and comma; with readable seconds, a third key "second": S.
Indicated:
{"hour": 3, "minute": 32}
